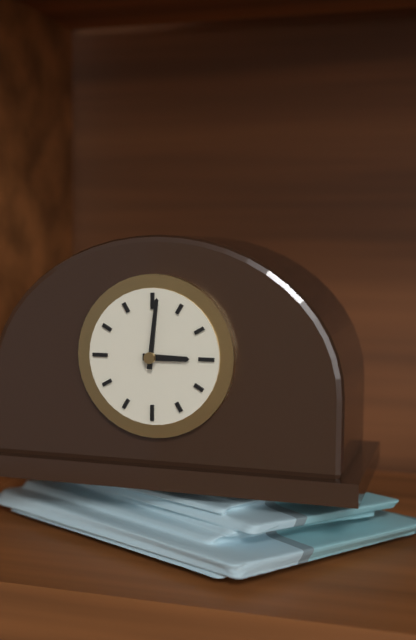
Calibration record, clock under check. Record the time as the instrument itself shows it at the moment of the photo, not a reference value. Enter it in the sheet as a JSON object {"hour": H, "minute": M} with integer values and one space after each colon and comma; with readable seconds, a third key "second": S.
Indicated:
{"hour": 3, "minute": 1}
